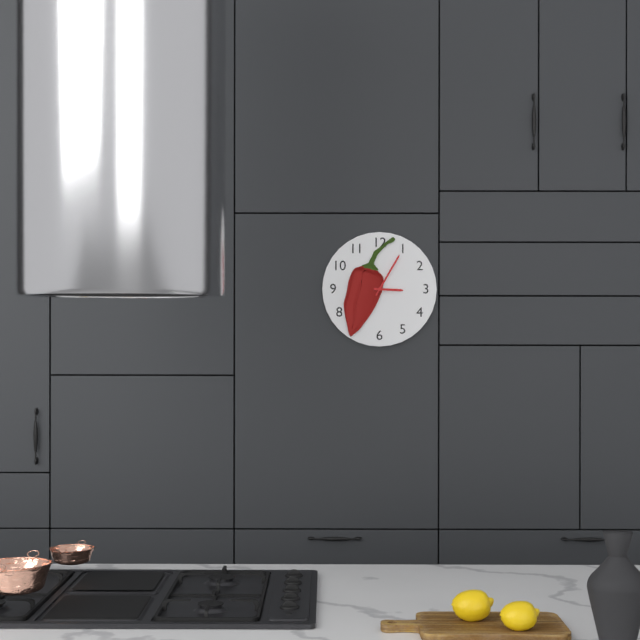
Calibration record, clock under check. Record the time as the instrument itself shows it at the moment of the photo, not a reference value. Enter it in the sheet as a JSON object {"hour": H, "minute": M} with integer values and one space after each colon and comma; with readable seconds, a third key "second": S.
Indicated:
{"hour": 3, "minute": 5}
